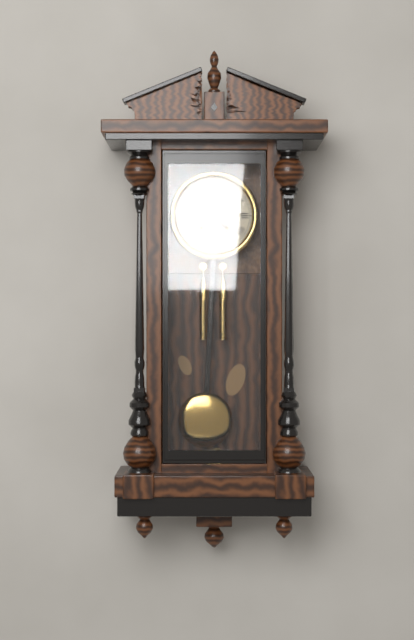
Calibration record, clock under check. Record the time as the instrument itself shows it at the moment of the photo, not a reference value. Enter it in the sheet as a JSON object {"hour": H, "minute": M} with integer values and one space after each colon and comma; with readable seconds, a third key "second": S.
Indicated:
{"hour": 4, "minute": 33}
